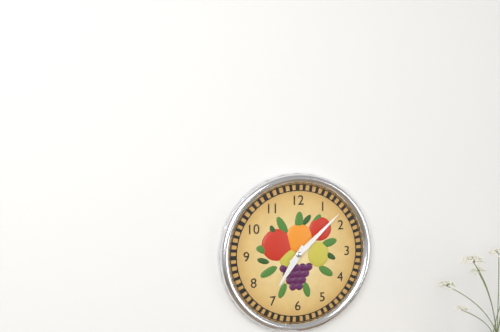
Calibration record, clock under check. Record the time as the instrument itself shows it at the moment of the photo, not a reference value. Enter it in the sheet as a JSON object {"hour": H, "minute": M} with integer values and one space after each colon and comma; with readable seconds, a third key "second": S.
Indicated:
{"hour": 7, "minute": 8}
